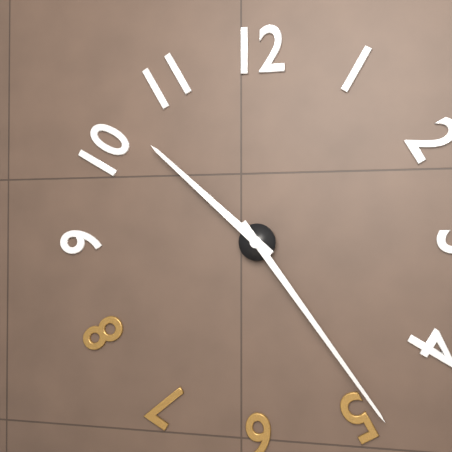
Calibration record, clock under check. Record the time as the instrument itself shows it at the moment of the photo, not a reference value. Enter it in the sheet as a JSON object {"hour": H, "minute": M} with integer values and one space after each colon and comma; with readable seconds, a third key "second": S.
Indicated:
{"hour": 10, "minute": 24}
